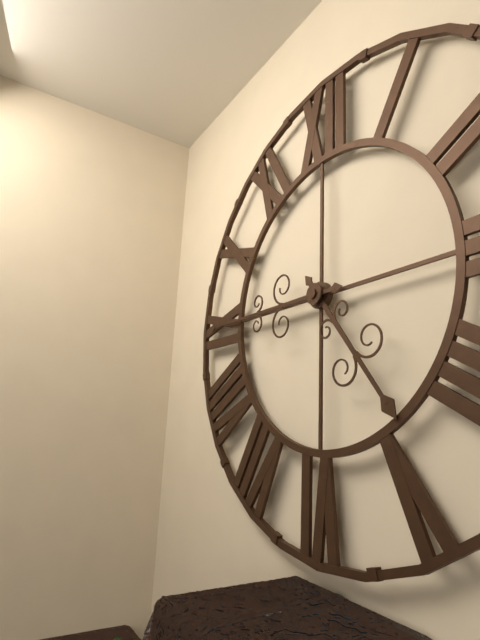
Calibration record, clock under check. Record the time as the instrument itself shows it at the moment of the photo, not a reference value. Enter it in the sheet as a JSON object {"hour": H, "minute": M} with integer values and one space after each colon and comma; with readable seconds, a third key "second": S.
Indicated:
{"hour": 4, "minute": 45}
